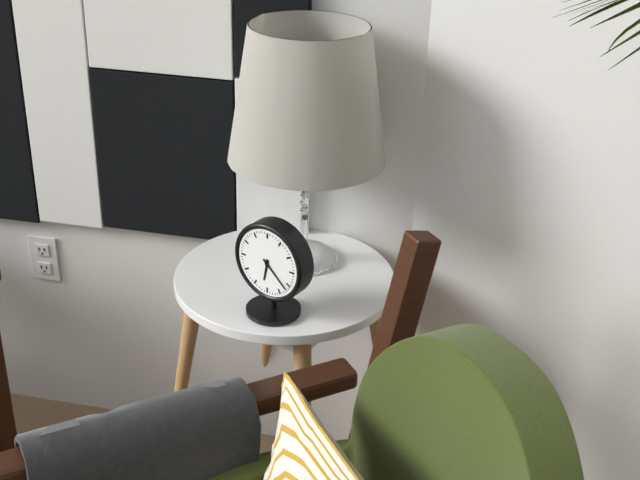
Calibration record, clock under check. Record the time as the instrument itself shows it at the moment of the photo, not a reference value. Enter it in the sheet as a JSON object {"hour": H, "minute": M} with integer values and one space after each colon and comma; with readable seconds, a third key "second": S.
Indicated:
{"hour": 6, "minute": 22}
